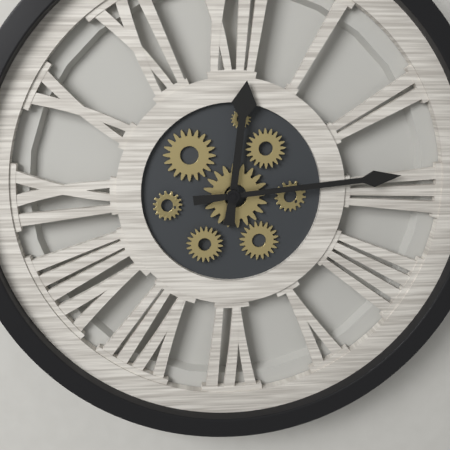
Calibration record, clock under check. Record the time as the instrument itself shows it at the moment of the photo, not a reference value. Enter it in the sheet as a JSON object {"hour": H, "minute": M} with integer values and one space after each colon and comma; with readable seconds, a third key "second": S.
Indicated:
{"hour": 12, "minute": 14}
